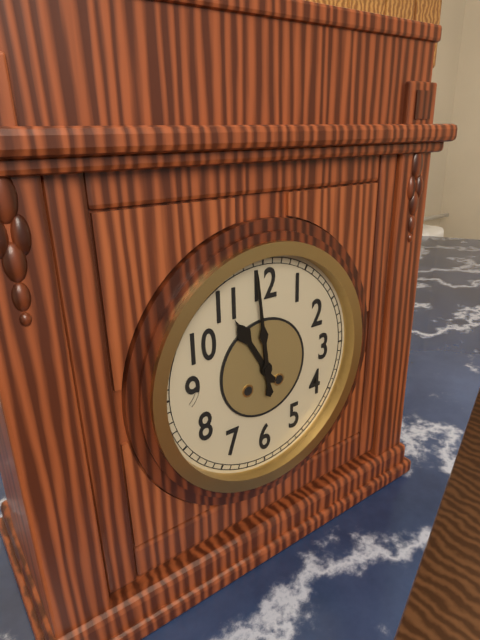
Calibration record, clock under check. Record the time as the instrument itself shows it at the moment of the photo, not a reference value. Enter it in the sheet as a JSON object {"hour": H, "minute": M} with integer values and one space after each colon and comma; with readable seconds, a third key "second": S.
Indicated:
{"hour": 10, "minute": 59}
